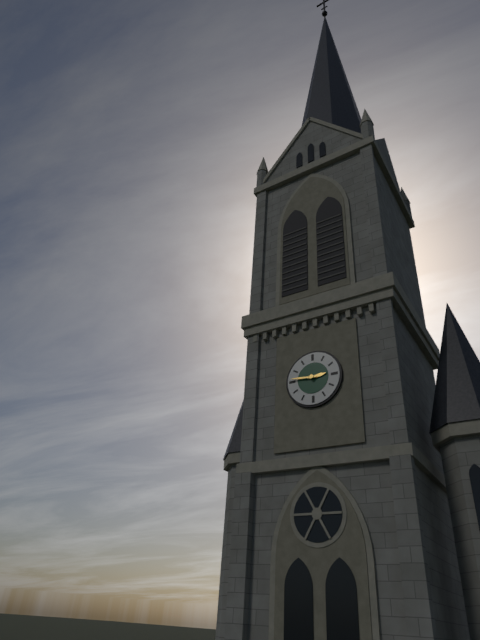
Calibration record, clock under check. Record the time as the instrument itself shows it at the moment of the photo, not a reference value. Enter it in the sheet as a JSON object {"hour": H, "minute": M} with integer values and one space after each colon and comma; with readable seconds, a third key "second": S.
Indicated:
{"hour": 2, "minute": 46}
